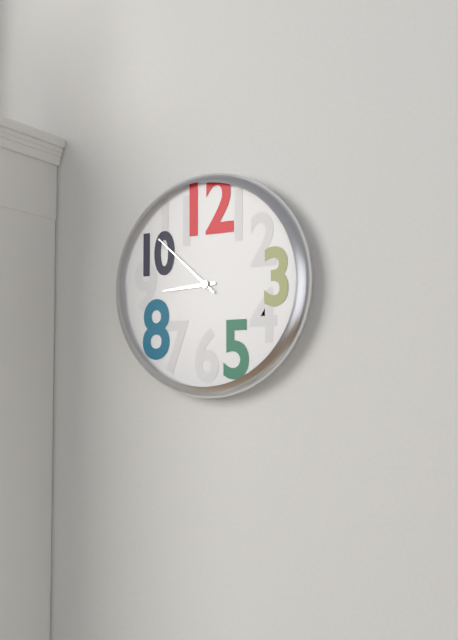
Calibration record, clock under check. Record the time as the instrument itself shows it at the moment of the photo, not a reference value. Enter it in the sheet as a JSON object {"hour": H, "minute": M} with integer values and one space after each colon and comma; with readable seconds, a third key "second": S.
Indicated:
{"hour": 8, "minute": 52}
